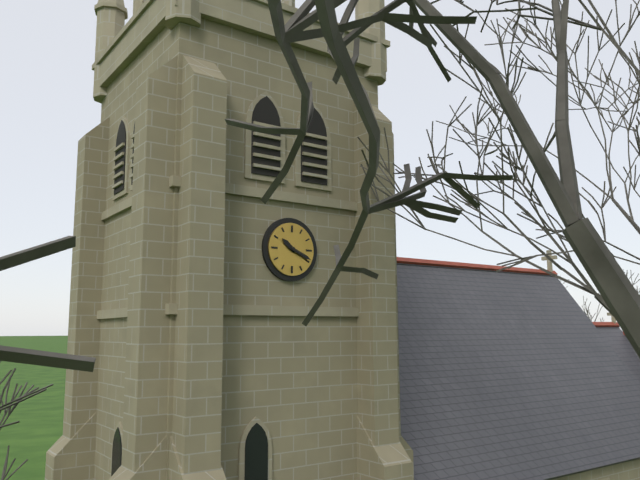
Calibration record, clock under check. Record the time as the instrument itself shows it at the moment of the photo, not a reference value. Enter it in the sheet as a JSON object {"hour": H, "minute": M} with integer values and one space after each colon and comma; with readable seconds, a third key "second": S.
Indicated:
{"hour": 10, "minute": 19}
